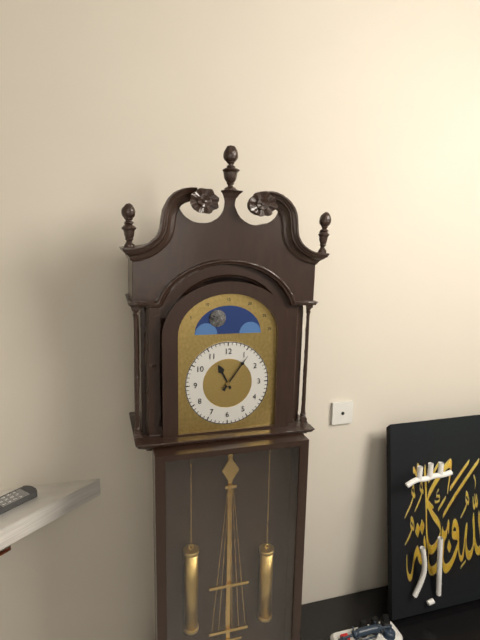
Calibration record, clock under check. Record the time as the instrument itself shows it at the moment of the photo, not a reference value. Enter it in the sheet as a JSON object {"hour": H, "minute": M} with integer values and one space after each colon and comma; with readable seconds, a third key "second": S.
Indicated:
{"hour": 11, "minute": 6}
